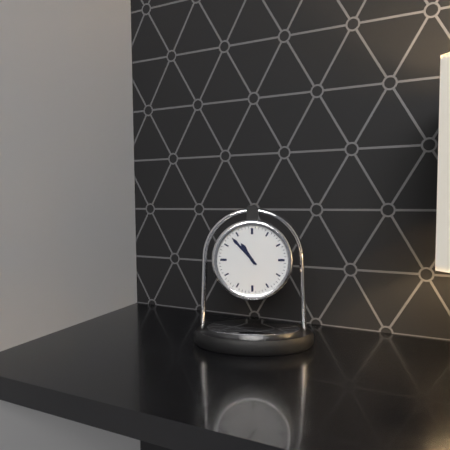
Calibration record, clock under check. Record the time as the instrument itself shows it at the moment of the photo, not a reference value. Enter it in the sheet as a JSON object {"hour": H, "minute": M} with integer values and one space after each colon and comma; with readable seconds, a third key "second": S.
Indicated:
{"hour": 10, "minute": 53}
